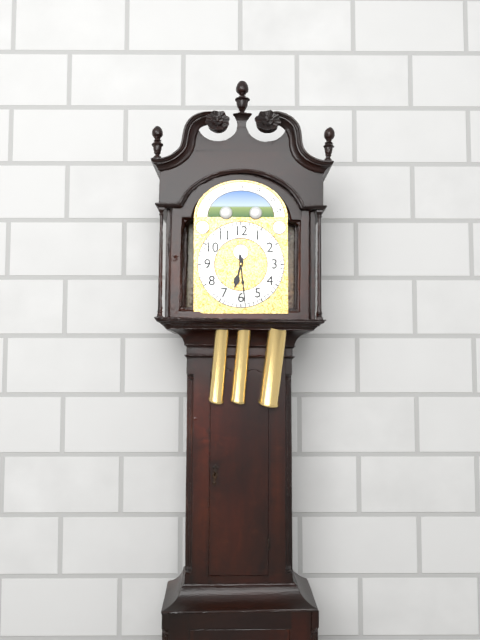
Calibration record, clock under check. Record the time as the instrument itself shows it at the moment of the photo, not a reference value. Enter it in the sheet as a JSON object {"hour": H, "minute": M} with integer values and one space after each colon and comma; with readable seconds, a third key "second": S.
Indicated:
{"hour": 6, "minute": 29}
